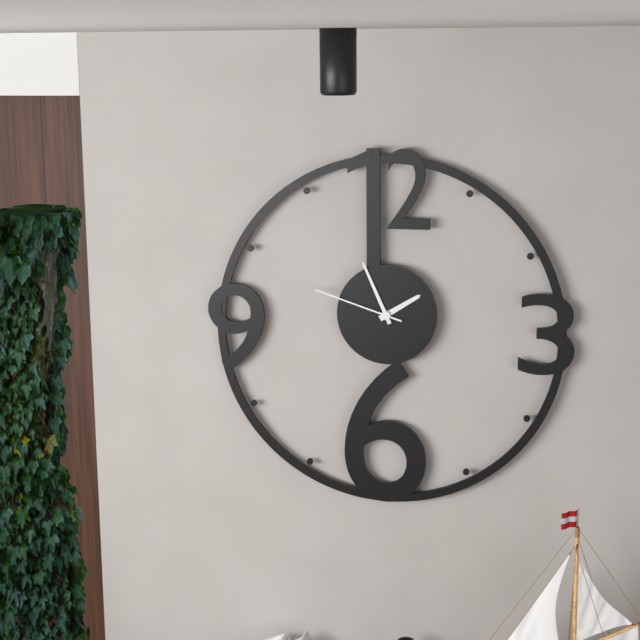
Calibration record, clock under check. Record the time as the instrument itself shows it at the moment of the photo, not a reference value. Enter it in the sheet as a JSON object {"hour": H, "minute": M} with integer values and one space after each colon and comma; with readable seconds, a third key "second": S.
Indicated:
{"hour": 1, "minute": 56, "second": 48}
